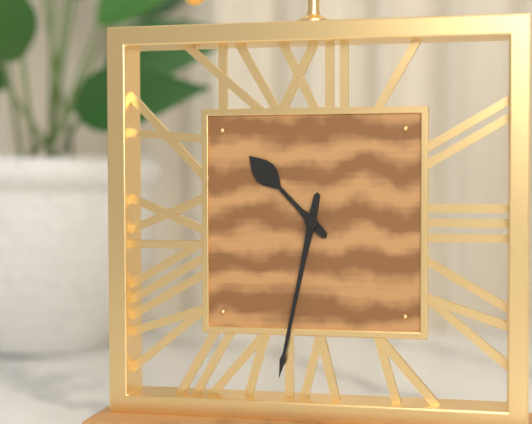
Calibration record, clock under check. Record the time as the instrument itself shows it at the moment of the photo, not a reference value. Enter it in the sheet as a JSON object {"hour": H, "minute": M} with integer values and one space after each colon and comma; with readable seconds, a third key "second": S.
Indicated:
{"hour": 10, "minute": 32}
